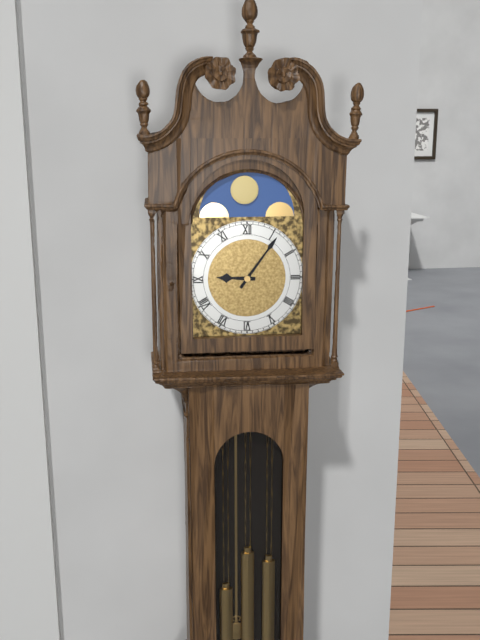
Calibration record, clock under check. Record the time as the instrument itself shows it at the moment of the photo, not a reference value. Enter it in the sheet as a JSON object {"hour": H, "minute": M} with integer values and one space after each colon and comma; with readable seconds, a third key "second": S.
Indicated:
{"hour": 9, "minute": 6}
